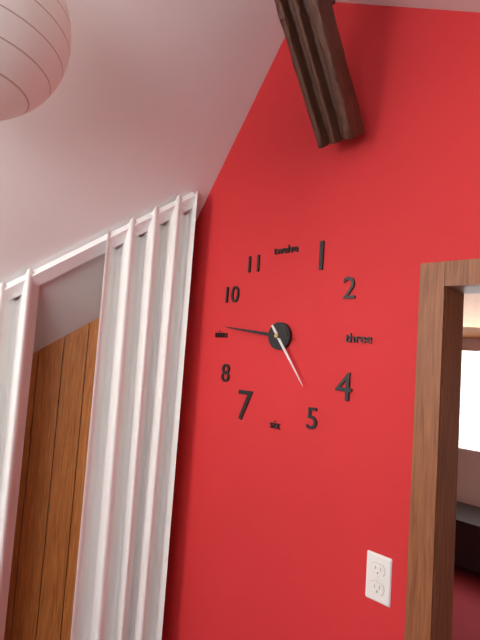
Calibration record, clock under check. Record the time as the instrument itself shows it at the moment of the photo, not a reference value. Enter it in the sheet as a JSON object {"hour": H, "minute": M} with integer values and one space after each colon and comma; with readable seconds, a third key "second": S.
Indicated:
{"hour": 4, "minute": 46}
